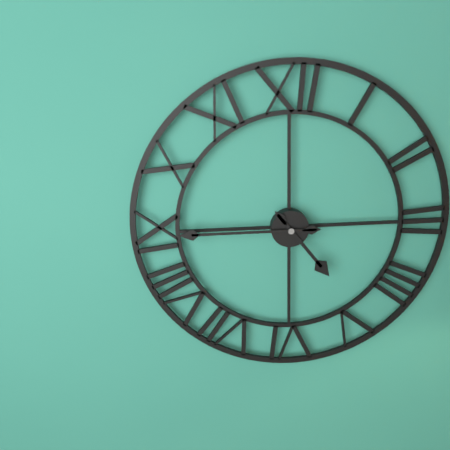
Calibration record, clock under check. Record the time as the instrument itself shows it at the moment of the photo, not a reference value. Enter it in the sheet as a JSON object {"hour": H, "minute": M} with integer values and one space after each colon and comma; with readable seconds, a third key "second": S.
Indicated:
{"hour": 4, "minute": 45}
